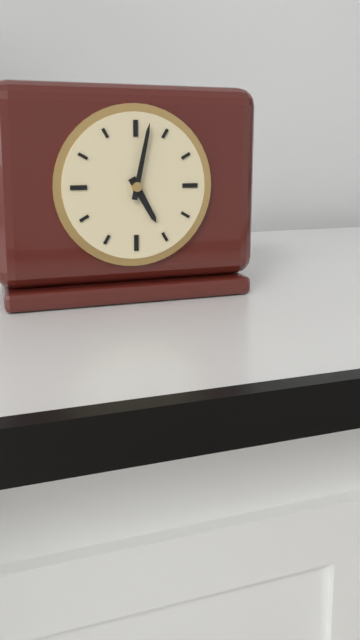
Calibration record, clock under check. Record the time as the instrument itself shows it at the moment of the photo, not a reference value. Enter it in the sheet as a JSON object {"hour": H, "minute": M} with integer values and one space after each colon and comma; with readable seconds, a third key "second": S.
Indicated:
{"hour": 5, "minute": 2}
